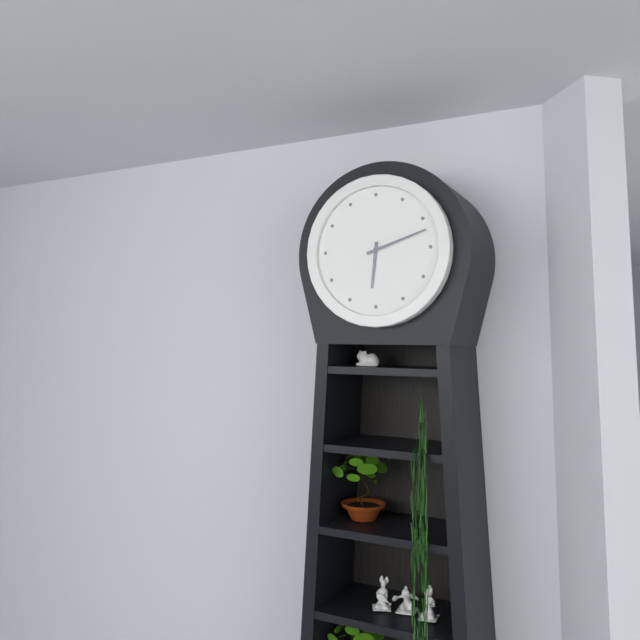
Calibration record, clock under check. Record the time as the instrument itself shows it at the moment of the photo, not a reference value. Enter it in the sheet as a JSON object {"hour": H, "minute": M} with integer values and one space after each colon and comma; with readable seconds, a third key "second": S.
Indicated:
{"hour": 6, "minute": 12}
